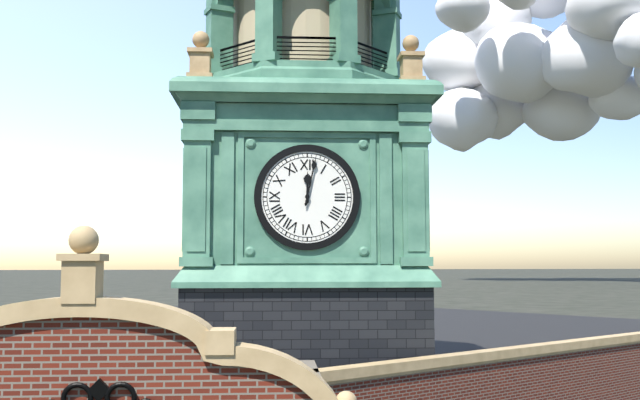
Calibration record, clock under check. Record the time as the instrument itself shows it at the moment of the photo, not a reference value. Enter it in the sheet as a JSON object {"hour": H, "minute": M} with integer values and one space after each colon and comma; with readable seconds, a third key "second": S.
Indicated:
{"hour": 12, "minute": 2}
